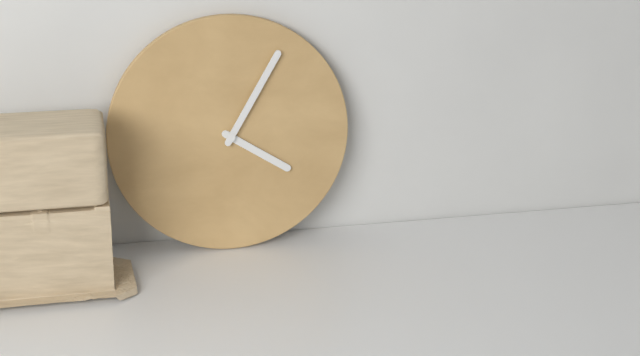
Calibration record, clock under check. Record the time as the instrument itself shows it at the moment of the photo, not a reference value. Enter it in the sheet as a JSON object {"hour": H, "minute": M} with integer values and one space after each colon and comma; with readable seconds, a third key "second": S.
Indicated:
{"hour": 4, "minute": 5}
